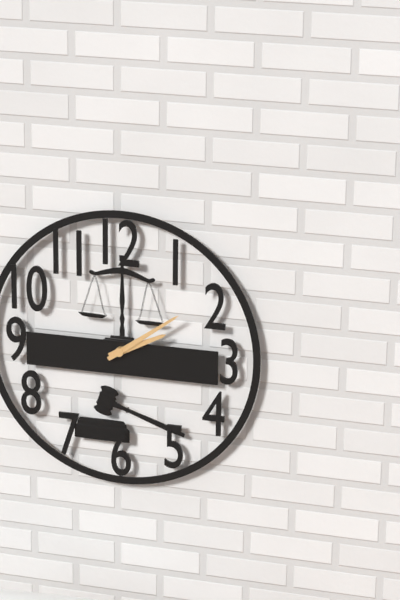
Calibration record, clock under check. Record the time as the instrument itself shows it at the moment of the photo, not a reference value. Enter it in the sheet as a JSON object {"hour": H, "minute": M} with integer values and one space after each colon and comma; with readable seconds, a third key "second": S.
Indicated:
{"hour": 2, "minute": 9}
